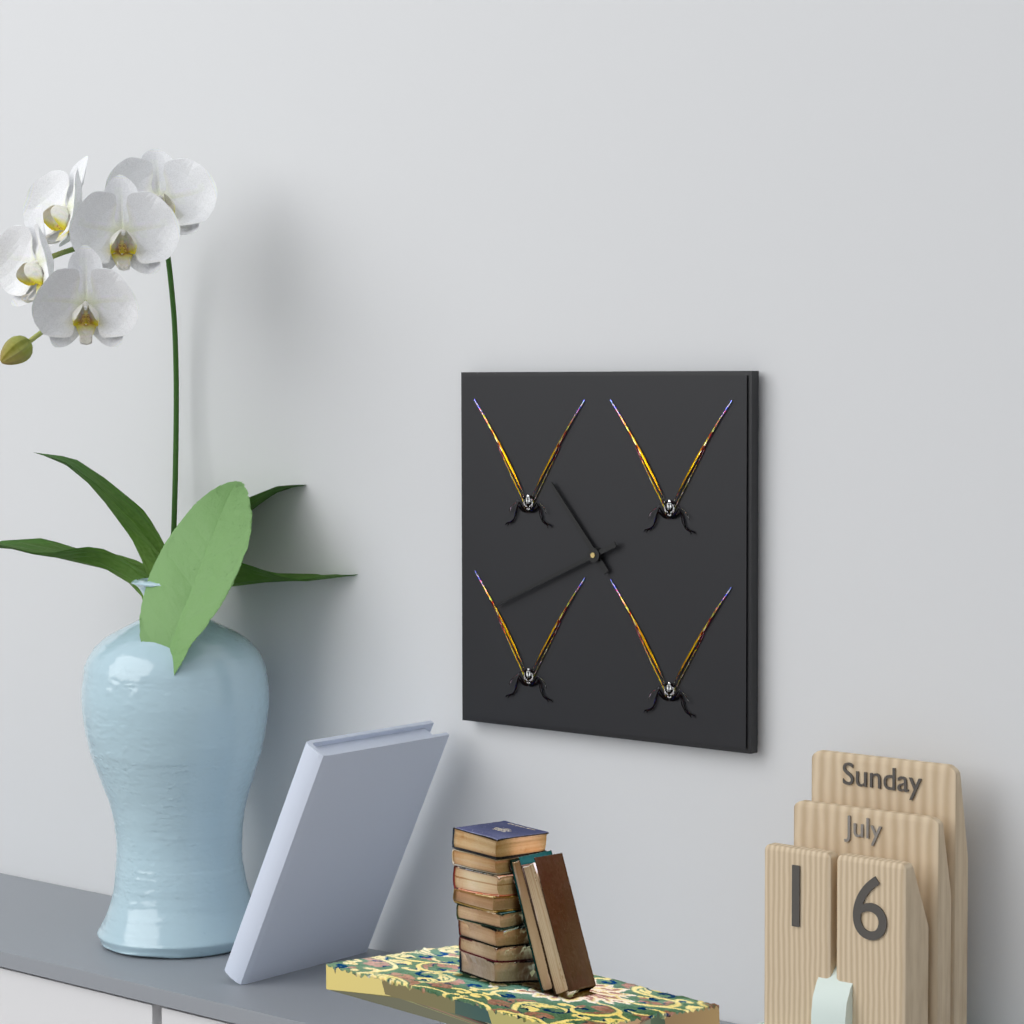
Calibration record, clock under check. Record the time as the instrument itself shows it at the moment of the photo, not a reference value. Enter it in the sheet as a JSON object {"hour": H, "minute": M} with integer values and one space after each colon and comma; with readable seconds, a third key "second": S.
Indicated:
{"hour": 10, "minute": 41}
